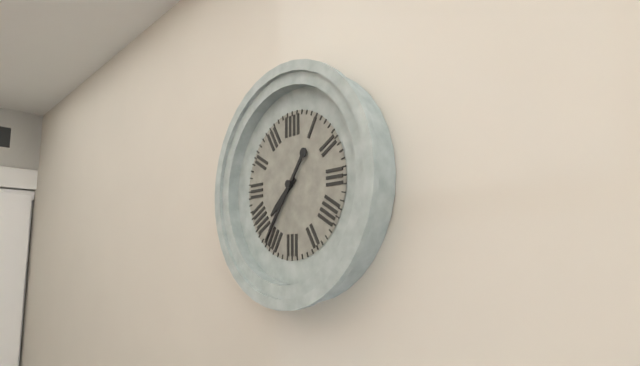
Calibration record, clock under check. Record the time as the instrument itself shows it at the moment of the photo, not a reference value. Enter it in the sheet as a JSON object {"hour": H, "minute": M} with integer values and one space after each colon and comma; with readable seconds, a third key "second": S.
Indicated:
{"hour": 7, "minute": 36}
